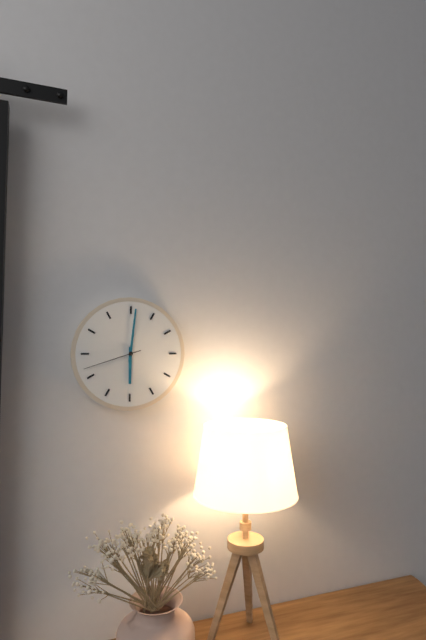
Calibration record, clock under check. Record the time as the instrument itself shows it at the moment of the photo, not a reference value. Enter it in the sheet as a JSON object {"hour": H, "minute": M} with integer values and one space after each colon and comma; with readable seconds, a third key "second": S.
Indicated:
{"hour": 6, "minute": 1, "second": 42}
